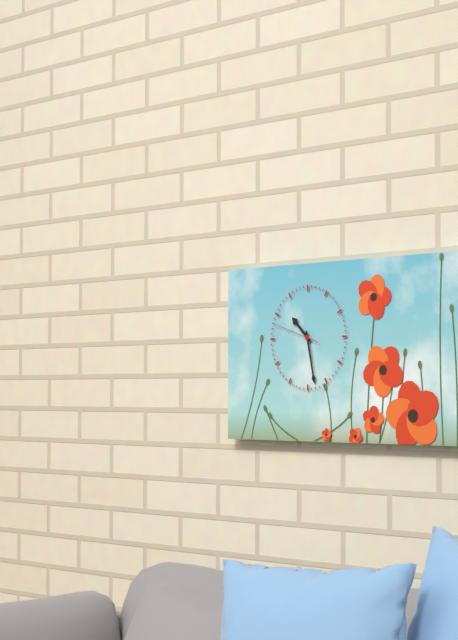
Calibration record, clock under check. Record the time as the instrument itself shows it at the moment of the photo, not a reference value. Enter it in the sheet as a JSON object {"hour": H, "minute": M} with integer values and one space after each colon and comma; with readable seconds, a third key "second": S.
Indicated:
{"hour": 10, "minute": 28}
